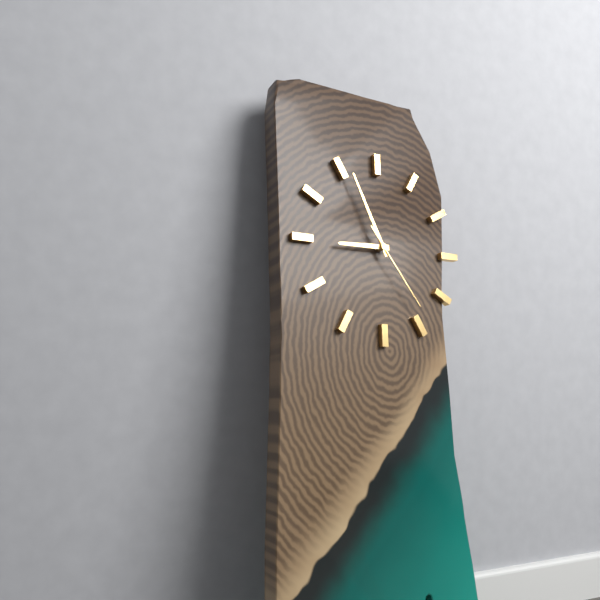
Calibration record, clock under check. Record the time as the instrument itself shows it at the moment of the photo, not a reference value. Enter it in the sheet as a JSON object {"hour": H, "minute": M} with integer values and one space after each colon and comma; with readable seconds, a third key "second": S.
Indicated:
{"hour": 8, "minute": 56, "second": 24}
